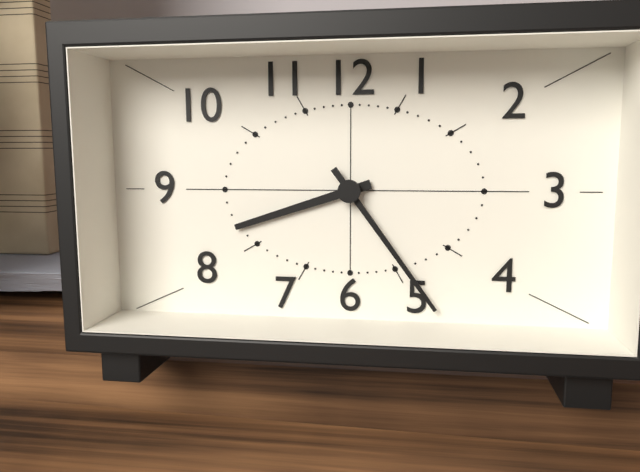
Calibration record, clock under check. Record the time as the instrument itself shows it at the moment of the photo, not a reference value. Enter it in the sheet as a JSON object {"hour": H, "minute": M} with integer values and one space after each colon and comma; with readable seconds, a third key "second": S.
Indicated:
{"hour": 8, "minute": 24}
